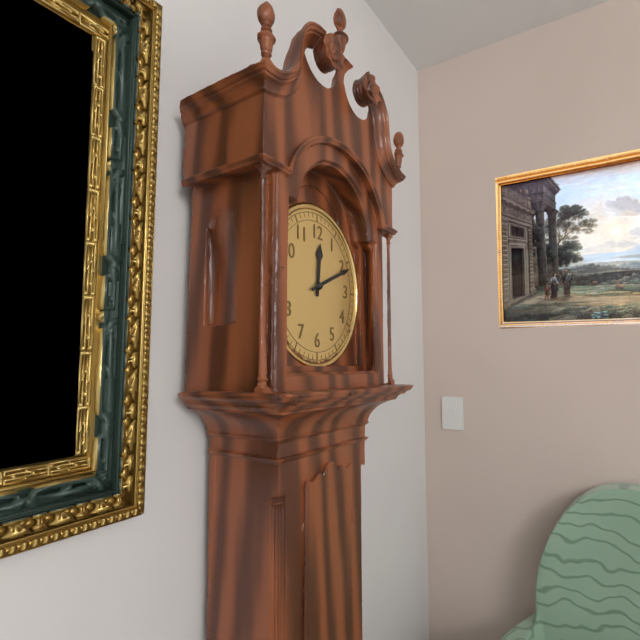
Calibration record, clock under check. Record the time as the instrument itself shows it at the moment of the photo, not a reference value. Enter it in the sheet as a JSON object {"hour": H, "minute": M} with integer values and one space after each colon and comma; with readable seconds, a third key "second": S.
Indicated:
{"hour": 12, "minute": 11}
